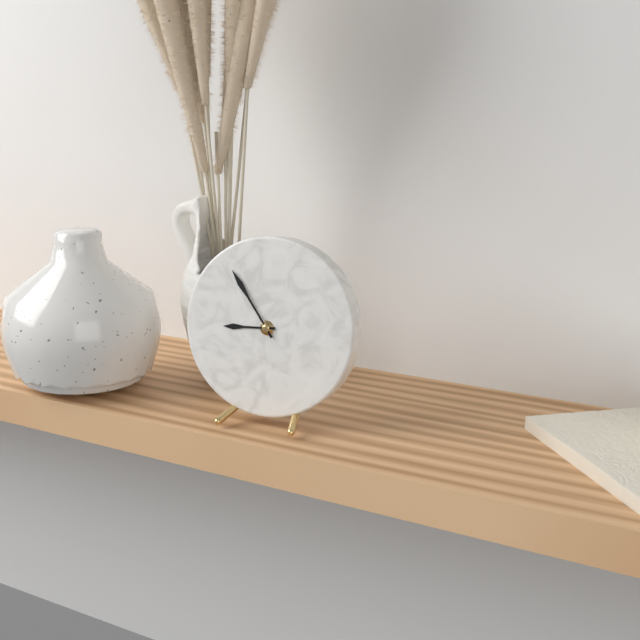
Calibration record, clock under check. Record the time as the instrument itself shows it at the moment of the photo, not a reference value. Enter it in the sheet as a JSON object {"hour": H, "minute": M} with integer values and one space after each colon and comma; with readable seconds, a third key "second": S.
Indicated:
{"hour": 8, "minute": 54}
